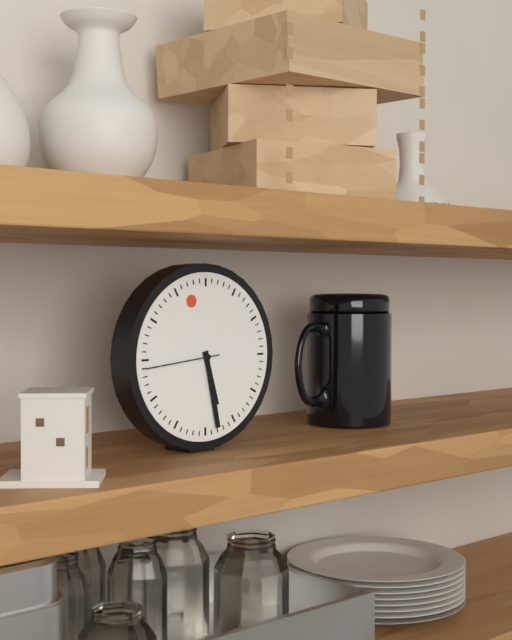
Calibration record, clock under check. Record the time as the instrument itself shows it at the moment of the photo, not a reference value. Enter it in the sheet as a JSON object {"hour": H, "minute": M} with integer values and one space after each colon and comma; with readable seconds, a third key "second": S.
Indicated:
{"hour": 5, "minute": 28, "second": 44}
